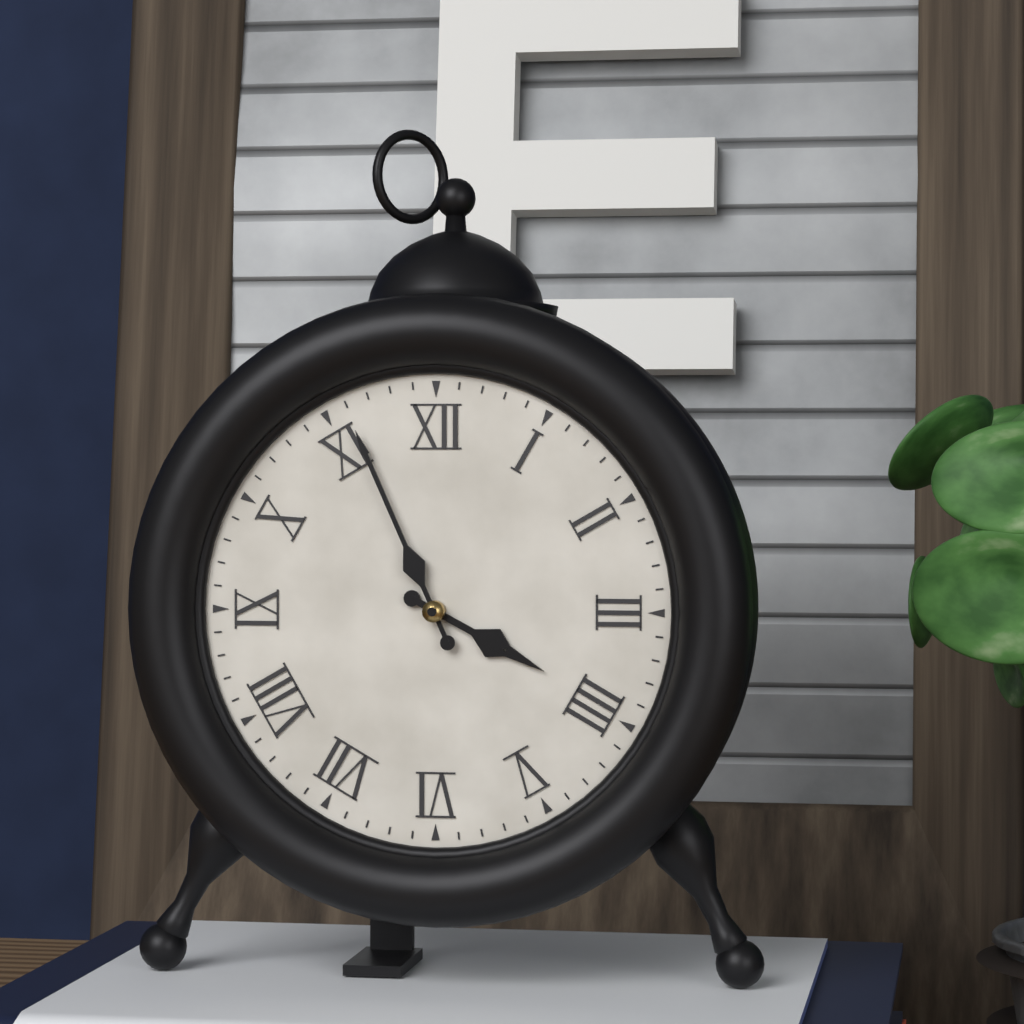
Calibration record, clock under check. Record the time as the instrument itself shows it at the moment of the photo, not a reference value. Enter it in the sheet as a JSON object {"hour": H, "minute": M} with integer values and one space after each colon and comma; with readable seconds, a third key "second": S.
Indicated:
{"hour": 3, "minute": 56}
